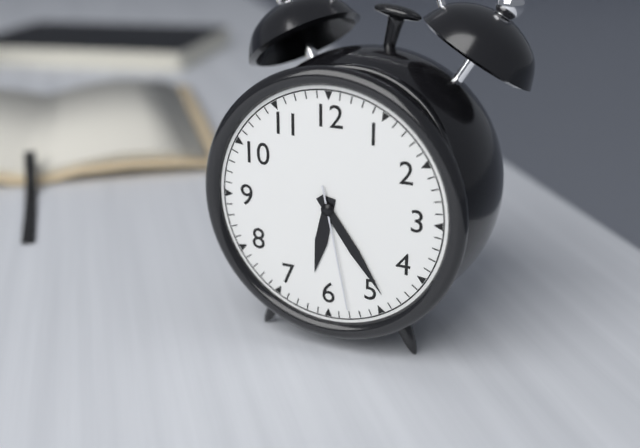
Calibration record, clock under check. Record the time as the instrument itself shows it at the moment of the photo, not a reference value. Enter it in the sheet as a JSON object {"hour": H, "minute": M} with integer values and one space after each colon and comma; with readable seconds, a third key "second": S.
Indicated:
{"hour": 6, "minute": 24, "second": 28}
